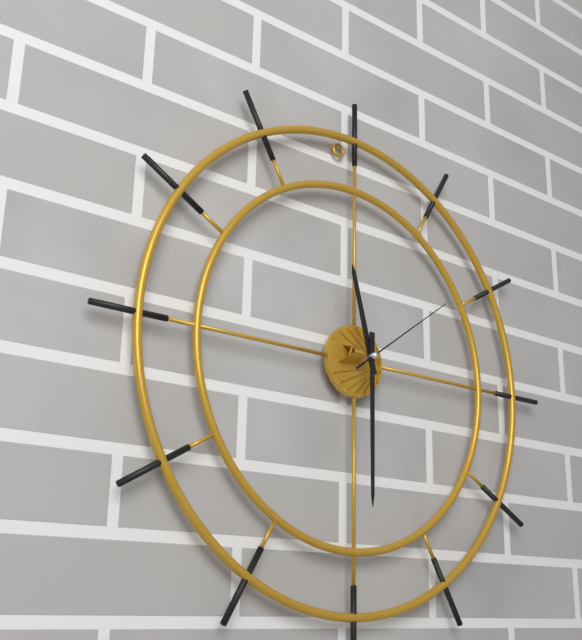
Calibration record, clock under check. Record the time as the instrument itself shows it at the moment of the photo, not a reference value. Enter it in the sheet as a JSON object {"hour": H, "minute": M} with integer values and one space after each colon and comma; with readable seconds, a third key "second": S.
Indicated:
{"hour": 11, "minute": 30, "second": 9}
